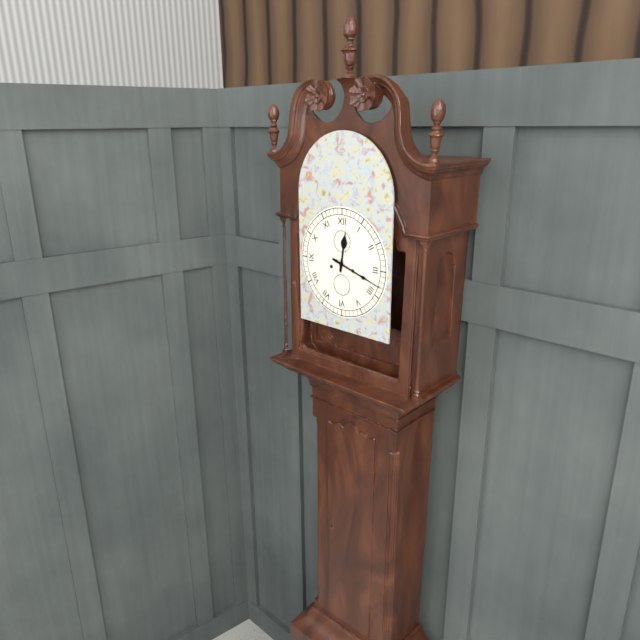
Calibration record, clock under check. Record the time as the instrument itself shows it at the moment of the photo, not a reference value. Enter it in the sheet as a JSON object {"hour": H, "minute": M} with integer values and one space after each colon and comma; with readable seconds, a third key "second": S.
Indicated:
{"hour": 12, "minute": 18}
